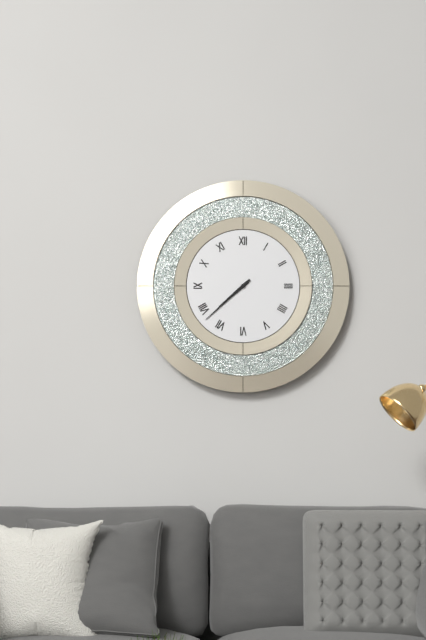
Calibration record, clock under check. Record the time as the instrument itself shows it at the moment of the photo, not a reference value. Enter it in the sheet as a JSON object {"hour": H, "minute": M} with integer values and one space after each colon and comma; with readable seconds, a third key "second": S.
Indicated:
{"hour": 7, "minute": 38}
